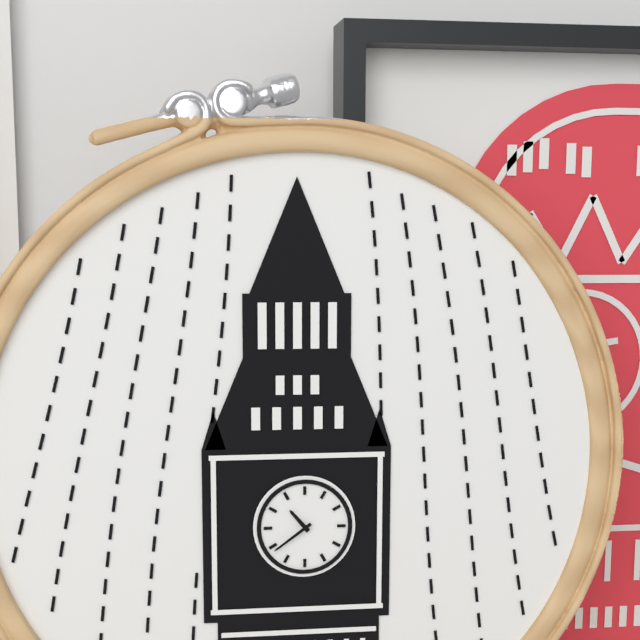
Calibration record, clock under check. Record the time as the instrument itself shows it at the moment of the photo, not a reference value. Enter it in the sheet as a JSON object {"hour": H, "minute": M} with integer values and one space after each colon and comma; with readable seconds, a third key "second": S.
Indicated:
{"hour": 10, "minute": 39}
